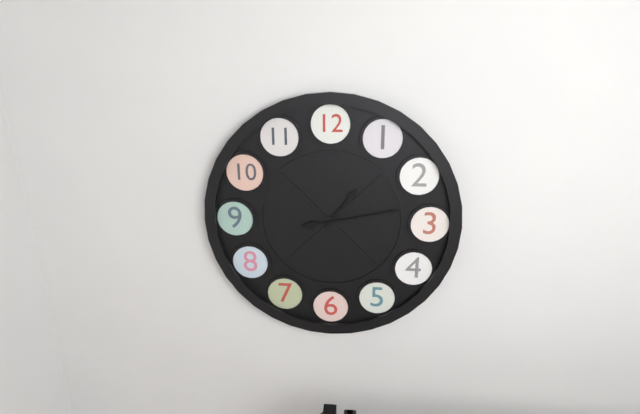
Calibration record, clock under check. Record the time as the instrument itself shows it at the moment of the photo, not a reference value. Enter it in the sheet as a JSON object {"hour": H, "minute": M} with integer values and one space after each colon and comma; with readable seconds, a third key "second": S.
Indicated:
{"hour": 1, "minute": 13}
